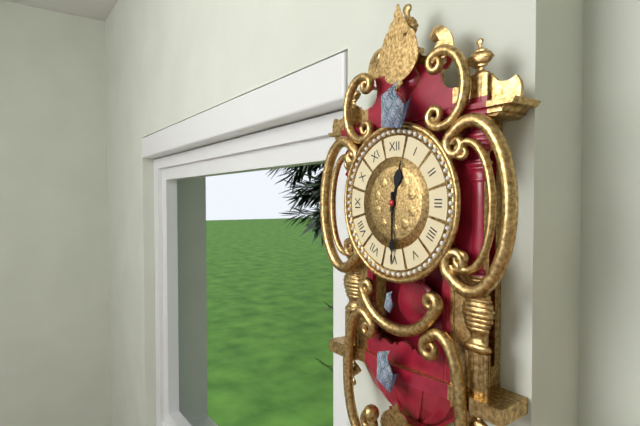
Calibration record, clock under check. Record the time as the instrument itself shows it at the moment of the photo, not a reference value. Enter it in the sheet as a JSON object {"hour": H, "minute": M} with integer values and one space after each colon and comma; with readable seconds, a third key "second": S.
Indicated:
{"hour": 12, "minute": 30}
